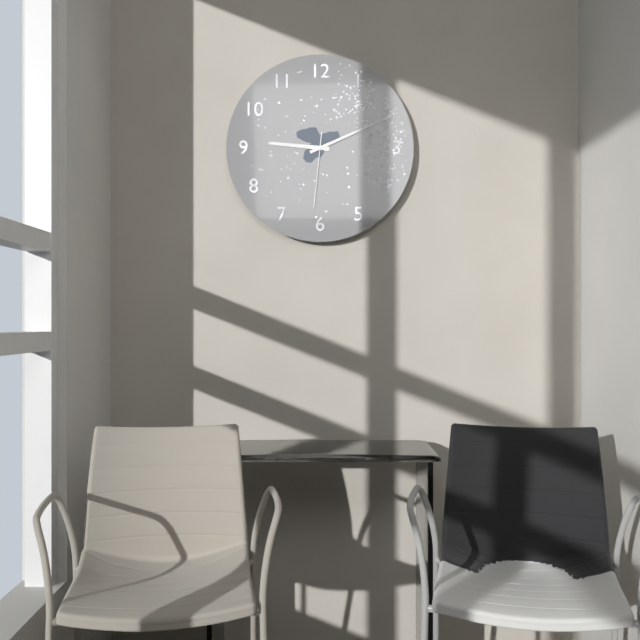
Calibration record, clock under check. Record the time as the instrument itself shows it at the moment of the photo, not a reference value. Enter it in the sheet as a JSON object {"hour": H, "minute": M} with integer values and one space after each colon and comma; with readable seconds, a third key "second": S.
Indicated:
{"hour": 9, "minute": 11, "second": 31}
